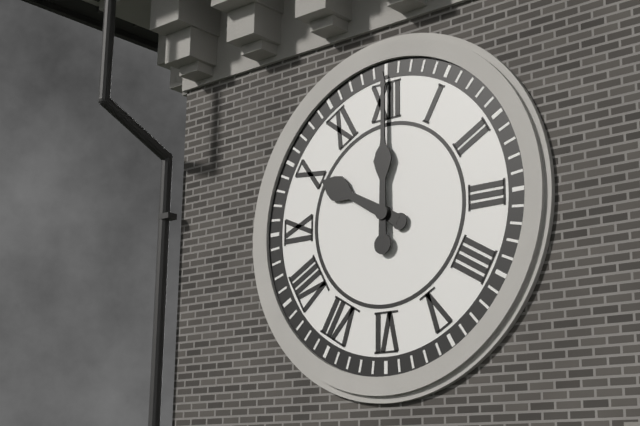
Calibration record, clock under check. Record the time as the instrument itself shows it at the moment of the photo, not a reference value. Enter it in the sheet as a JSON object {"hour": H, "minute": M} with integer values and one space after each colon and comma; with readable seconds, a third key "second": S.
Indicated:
{"hour": 10, "minute": 0}
